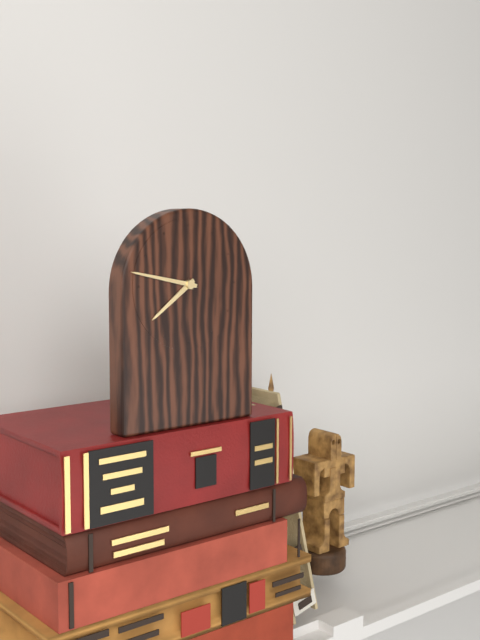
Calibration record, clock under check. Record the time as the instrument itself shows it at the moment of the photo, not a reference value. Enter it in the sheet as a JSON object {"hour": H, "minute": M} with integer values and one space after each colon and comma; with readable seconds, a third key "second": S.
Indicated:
{"hour": 7, "minute": 47}
